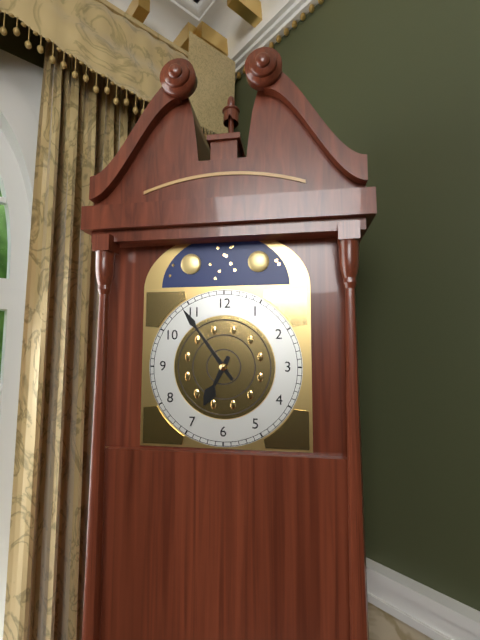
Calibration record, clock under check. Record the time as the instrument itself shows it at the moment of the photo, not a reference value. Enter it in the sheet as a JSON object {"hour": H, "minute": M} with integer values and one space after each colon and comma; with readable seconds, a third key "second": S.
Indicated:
{"hour": 6, "minute": 54}
